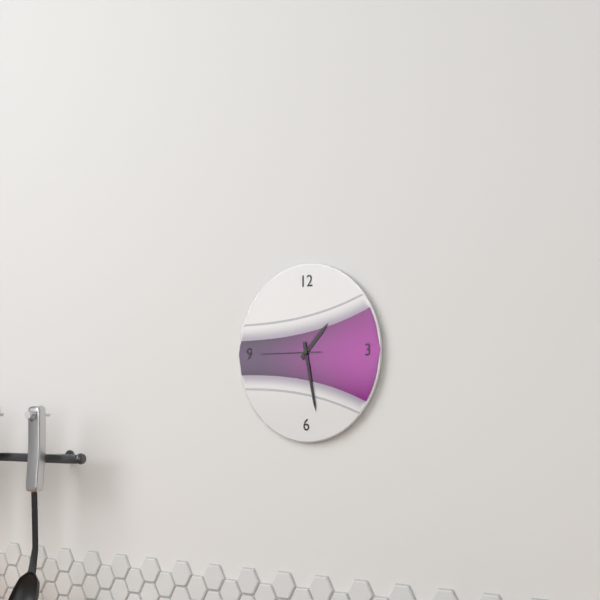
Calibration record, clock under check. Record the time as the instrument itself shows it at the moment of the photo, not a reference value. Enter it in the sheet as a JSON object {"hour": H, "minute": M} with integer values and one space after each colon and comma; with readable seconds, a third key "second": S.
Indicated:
{"hour": 1, "minute": 28, "second": 45}
